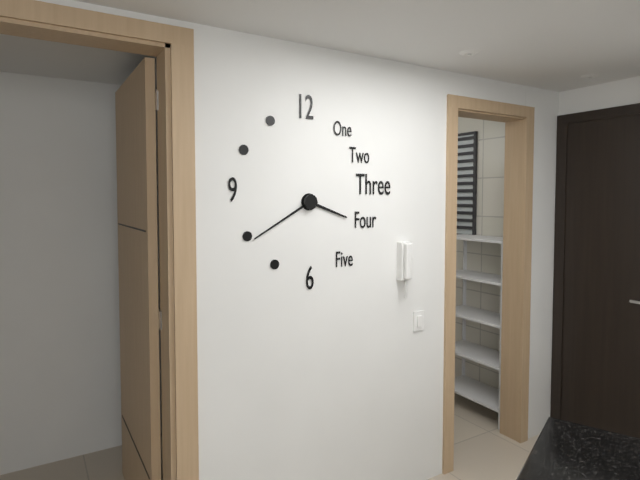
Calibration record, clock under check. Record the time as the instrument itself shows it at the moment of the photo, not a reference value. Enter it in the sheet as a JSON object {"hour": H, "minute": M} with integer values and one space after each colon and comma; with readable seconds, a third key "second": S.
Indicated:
{"hour": 3, "minute": 40}
